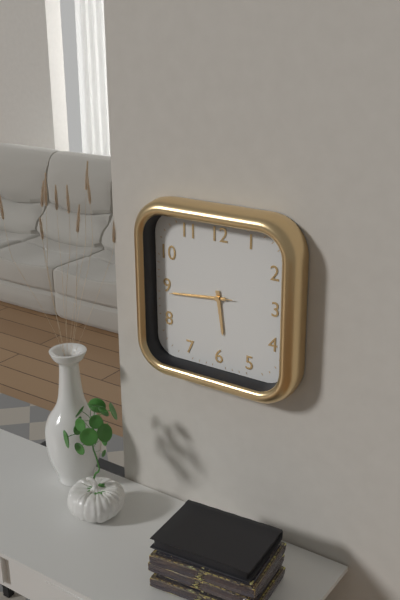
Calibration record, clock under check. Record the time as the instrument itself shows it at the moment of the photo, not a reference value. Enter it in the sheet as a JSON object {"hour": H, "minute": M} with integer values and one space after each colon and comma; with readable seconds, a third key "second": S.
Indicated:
{"hour": 5, "minute": 44, "second": 44}
